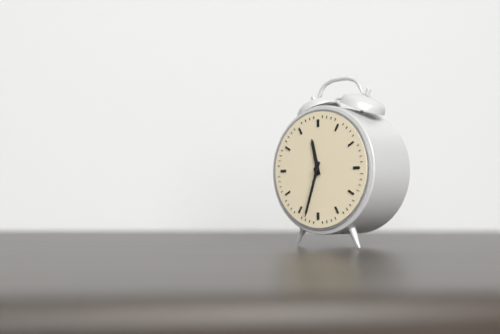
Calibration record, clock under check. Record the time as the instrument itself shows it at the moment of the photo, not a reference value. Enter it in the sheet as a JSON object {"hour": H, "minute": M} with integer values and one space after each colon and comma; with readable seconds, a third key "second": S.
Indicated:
{"hour": 11, "minute": 33}
